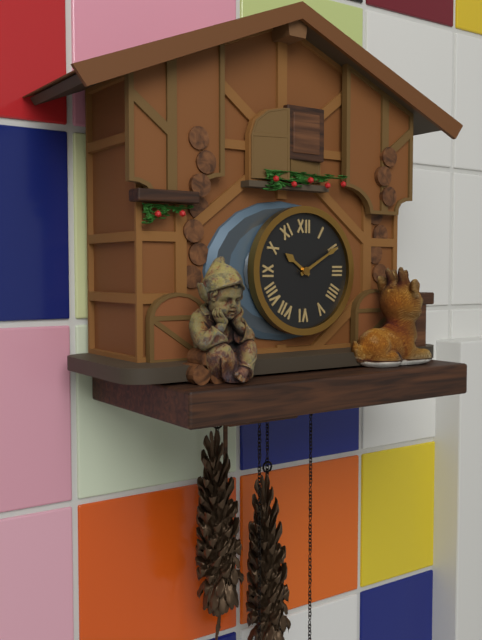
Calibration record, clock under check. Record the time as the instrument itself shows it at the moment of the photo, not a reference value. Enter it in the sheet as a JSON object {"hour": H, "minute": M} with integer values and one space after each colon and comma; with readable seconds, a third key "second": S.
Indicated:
{"hour": 10, "minute": 10}
